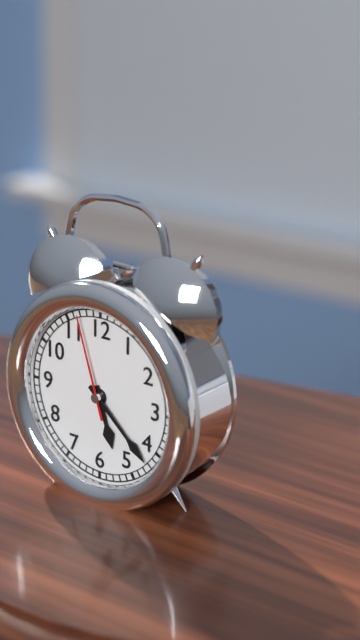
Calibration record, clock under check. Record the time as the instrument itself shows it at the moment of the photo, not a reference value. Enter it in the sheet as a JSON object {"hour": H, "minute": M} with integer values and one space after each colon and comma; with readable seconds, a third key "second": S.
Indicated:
{"hour": 5, "minute": 22, "second": 57}
